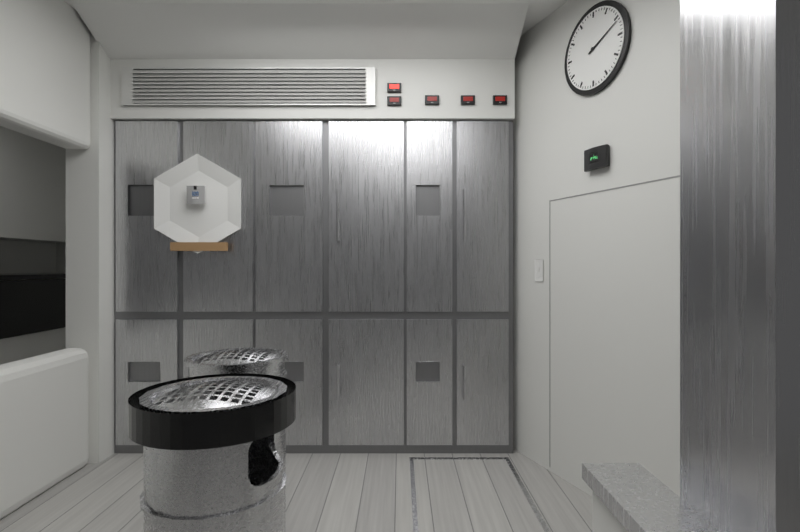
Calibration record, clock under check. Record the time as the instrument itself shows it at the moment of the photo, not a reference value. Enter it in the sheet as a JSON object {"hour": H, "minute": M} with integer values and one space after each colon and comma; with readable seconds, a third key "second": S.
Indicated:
{"hour": 2, "minute": 11}
